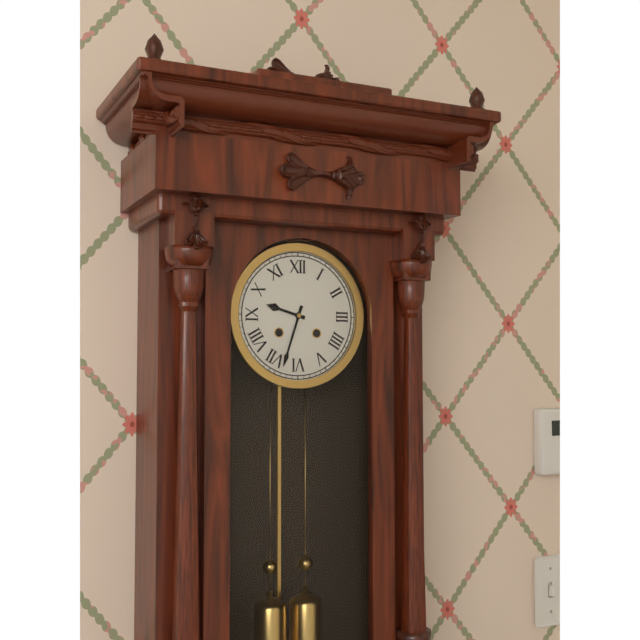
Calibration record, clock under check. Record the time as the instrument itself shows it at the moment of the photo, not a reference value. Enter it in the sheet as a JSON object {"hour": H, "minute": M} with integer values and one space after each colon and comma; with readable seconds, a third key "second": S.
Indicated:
{"hour": 9, "minute": 33}
